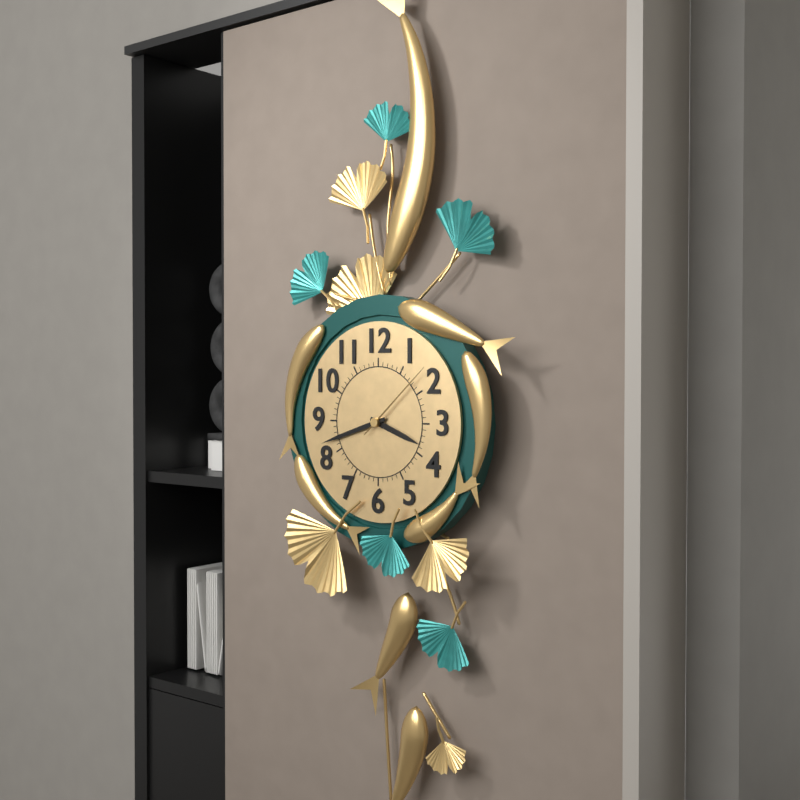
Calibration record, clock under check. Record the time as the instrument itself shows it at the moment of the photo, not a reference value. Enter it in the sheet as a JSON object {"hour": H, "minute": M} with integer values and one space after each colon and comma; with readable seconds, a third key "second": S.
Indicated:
{"hour": 3, "minute": 42, "second": 8}
